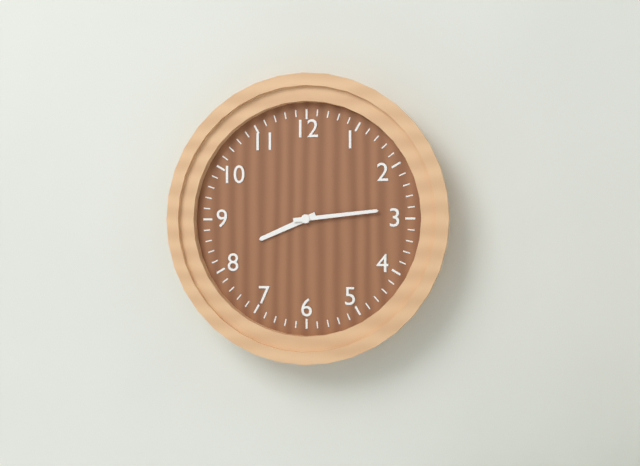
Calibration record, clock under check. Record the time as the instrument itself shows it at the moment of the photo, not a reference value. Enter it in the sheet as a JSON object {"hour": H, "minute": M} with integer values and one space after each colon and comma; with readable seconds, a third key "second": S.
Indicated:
{"hour": 8, "minute": 14}
